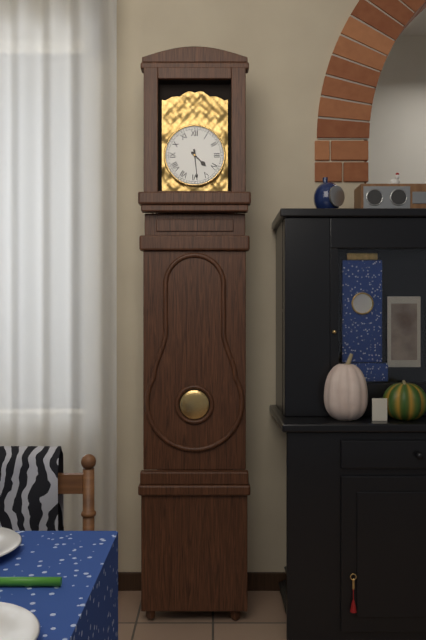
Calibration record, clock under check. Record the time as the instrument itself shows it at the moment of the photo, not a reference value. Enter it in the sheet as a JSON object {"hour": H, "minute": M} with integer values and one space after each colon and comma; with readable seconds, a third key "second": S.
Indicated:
{"hour": 4, "minute": 29}
